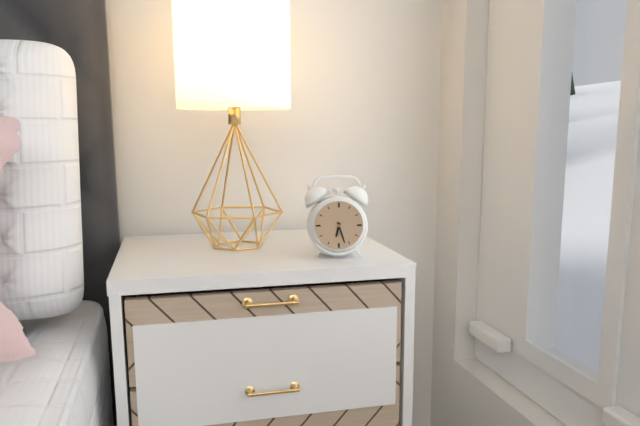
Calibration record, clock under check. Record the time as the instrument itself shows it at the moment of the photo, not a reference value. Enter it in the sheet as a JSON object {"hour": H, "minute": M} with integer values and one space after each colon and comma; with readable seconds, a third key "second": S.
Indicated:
{"hour": 6, "minute": 27}
